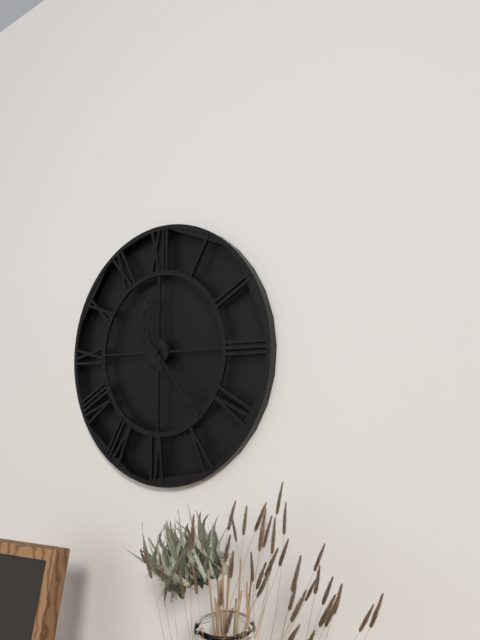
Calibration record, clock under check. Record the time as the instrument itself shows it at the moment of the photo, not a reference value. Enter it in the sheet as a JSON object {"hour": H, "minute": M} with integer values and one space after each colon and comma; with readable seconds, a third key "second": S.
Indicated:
{"hour": 11, "minute": 23}
